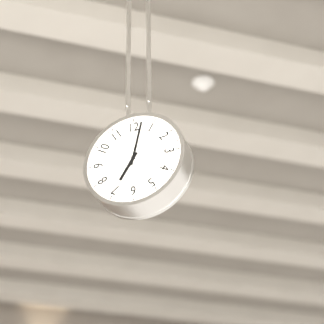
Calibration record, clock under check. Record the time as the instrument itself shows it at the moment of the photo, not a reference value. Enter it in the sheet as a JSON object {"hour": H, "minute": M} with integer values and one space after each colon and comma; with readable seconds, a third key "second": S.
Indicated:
{"hour": 7, "minute": 2}
